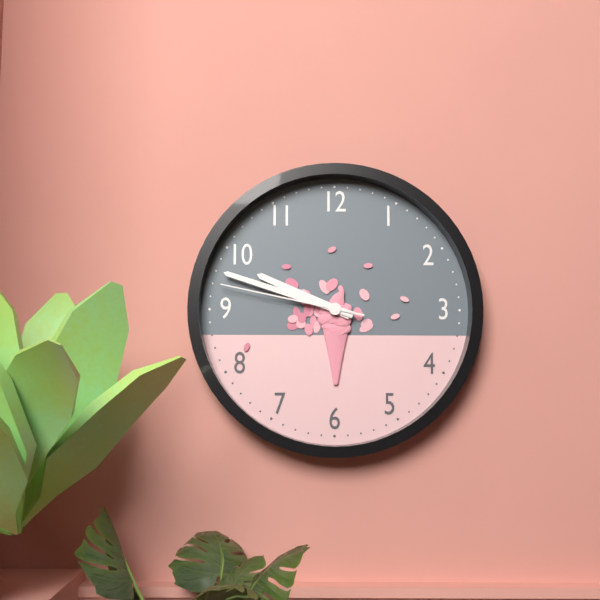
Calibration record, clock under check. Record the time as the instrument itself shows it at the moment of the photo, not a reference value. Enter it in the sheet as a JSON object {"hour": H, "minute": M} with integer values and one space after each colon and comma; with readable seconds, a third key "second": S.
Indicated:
{"hour": 9, "minute": 48, "second": 47}
